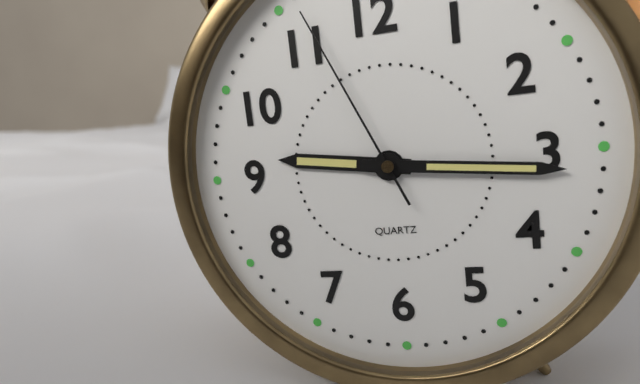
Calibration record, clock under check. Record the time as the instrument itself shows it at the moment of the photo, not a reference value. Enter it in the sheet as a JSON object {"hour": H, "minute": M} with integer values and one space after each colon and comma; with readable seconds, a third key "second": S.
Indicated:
{"hour": 9, "minute": 16, "second": 56}
